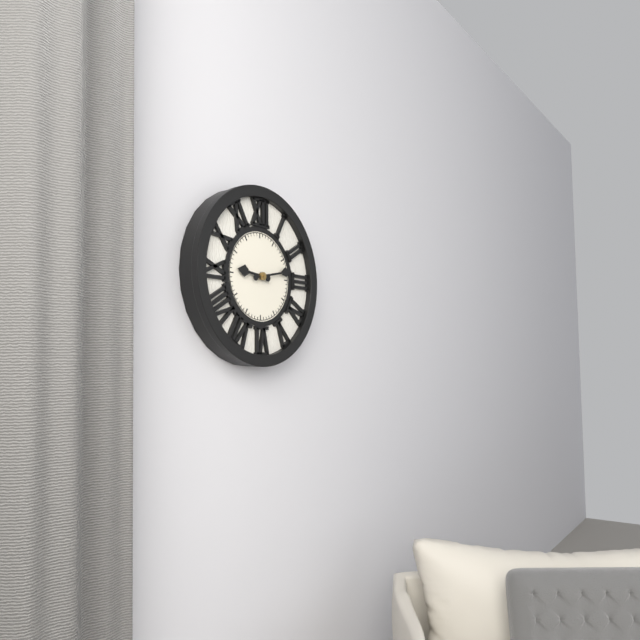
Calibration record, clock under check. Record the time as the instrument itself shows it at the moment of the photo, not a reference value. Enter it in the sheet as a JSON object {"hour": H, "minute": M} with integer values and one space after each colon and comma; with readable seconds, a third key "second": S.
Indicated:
{"hour": 9, "minute": 13}
